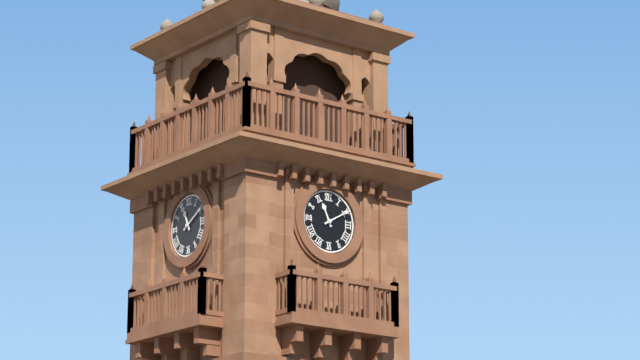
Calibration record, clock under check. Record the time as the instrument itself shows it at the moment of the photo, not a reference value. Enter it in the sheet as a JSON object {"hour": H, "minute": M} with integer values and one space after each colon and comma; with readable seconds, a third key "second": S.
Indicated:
{"hour": 11, "minute": 10}
